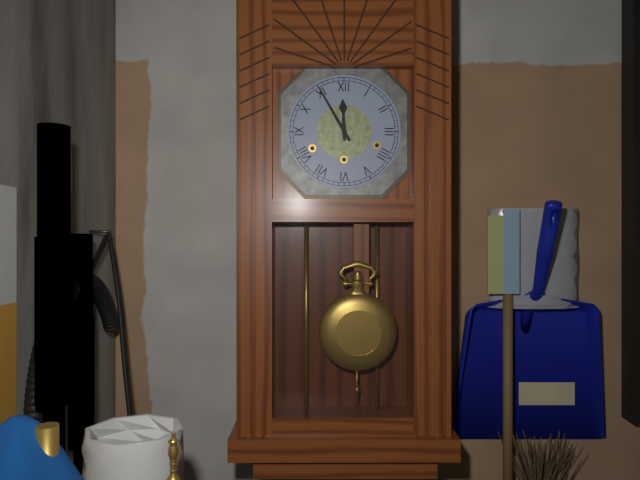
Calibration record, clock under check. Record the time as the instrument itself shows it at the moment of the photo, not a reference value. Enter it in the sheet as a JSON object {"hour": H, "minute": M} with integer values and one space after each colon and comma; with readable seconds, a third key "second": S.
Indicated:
{"hour": 11, "minute": 55}
